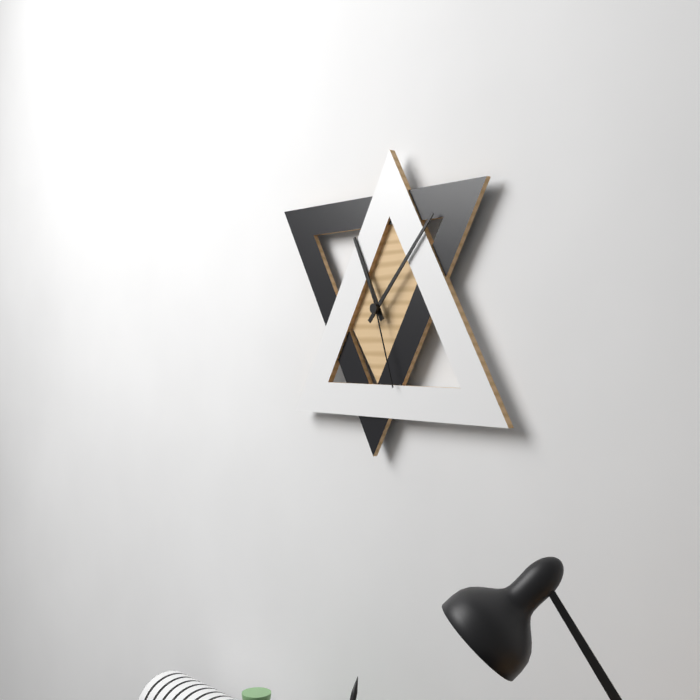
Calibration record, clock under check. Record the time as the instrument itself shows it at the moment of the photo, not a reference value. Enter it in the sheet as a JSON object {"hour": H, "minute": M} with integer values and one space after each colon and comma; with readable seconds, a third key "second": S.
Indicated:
{"hour": 11, "minute": 7, "second": 27}
